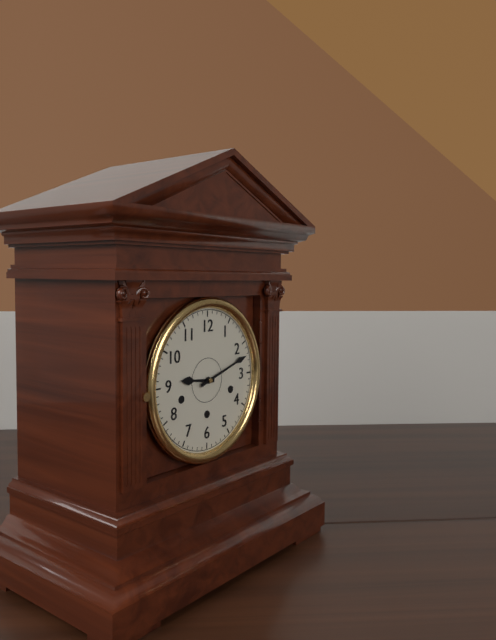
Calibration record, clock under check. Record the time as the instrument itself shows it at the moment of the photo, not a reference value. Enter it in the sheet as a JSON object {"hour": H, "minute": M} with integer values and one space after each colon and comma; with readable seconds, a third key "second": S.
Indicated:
{"hour": 9, "minute": 12}
